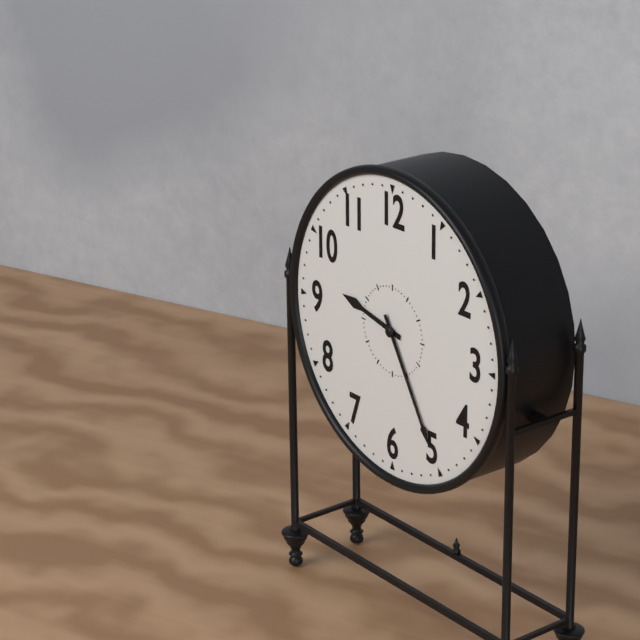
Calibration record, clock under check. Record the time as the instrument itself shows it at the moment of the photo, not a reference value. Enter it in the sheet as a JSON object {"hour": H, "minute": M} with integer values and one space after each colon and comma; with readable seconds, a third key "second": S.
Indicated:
{"hour": 9, "minute": 25}
